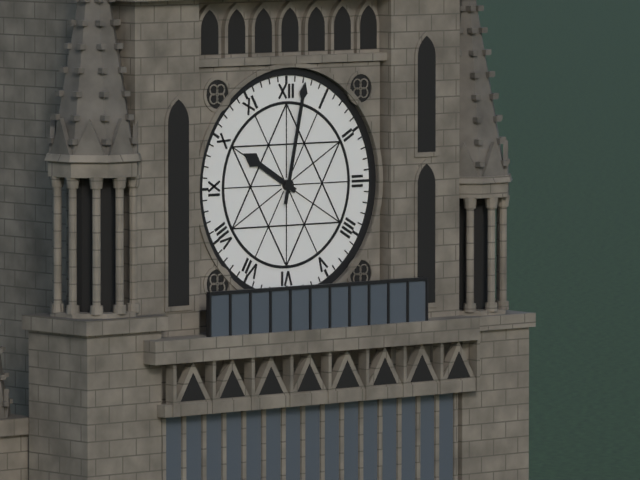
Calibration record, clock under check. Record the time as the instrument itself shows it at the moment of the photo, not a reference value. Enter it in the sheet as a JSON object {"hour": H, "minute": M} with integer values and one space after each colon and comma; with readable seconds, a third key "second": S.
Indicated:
{"hour": 10, "minute": 2}
